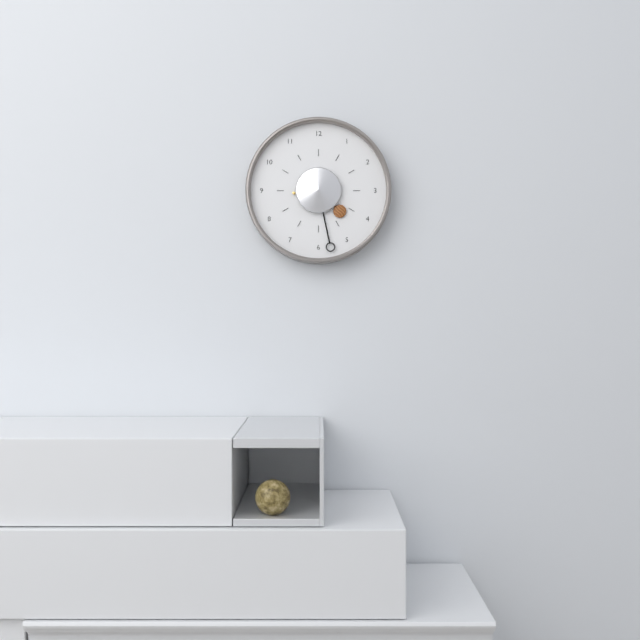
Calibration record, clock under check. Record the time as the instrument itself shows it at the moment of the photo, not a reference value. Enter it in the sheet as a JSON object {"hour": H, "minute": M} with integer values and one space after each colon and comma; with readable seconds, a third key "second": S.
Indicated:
{"hour": 4, "minute": 28}
